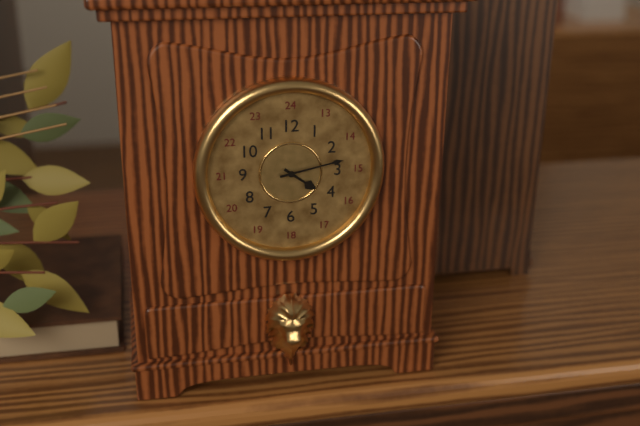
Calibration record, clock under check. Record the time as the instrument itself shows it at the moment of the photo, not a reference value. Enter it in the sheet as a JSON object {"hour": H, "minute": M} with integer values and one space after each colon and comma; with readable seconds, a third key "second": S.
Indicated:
{"hour": 4, "minute": 13}
